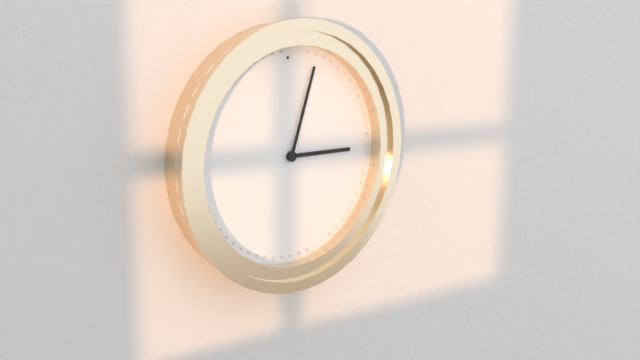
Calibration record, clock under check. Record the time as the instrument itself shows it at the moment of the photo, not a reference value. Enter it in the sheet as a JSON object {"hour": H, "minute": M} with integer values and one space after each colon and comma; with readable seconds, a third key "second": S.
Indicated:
{"hour": 3, "minute": 3}
